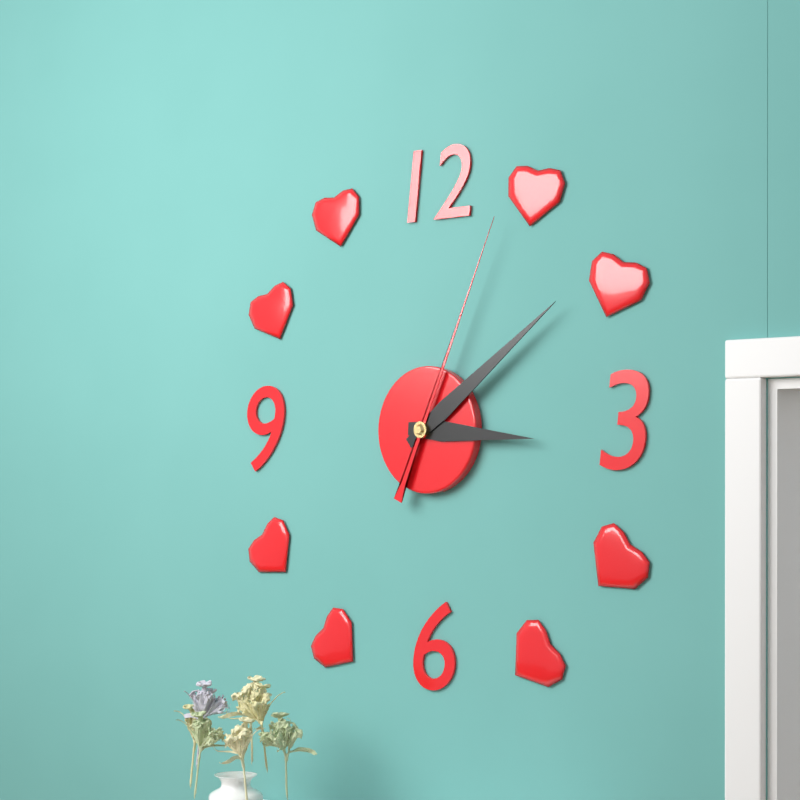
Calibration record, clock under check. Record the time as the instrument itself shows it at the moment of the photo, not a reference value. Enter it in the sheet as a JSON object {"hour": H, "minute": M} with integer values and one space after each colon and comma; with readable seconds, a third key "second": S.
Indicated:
{"hour": 3, "minute": 9, "second": 4}
